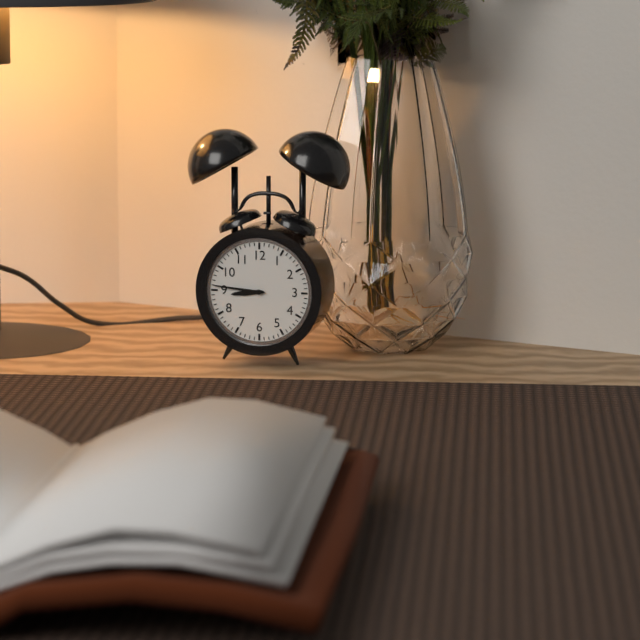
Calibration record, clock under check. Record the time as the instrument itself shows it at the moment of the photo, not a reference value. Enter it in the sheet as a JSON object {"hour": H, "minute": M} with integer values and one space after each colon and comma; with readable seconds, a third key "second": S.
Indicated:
{"hour": 8, "minute": 46}
